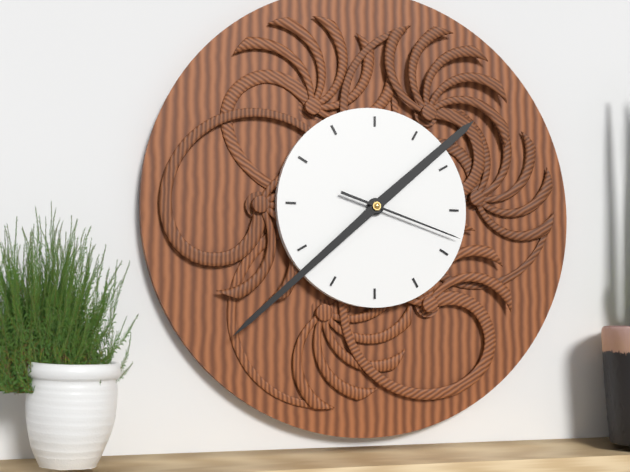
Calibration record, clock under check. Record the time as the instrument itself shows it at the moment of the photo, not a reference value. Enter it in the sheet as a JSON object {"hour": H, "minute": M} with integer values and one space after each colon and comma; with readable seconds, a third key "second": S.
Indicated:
{"hour": 1, "minute": 38, "second": 18}
